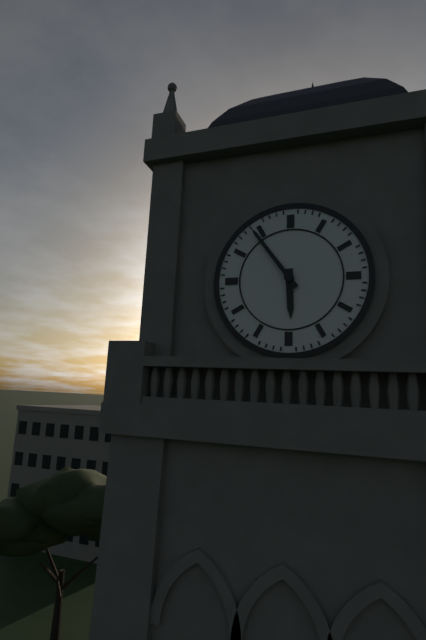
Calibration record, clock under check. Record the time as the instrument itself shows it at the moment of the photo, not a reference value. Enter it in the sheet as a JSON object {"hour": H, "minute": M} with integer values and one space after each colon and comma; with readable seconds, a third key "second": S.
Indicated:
{"hour": 5, "minute": 54}
